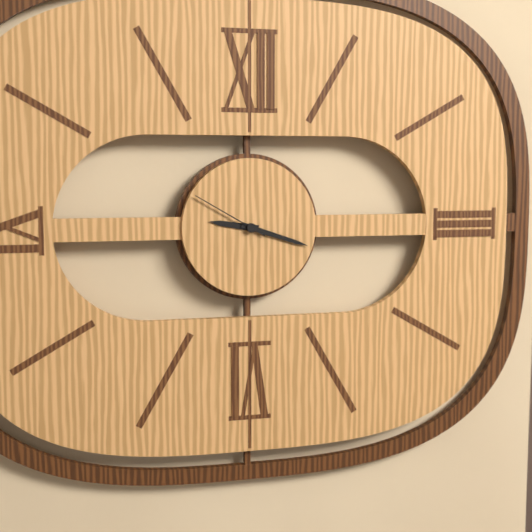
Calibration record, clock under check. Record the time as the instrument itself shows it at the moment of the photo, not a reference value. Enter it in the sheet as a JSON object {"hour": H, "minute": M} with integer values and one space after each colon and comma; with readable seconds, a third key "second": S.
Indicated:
{"hour": 9, "minute": 18, "second": 50}
